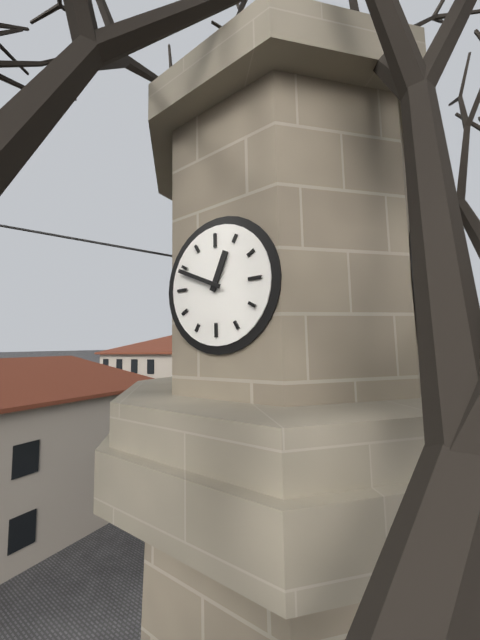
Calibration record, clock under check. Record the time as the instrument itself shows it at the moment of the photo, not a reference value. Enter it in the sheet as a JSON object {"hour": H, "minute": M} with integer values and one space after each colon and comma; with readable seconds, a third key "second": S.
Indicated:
{"hour": 12, "minute": 49}
